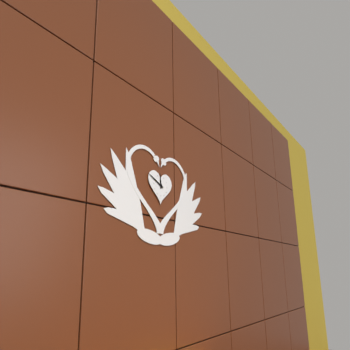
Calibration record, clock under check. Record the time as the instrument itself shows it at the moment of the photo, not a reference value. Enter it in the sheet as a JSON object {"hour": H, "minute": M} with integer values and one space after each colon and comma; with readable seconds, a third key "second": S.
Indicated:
{"hour": 11, "minute": 49}
